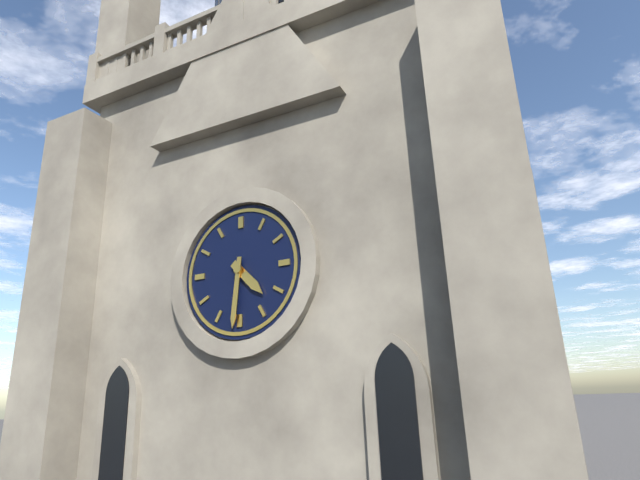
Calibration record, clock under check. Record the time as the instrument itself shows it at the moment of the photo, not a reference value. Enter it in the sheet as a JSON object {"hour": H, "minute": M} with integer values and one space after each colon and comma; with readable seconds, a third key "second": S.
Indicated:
{"hour": 4, "minute": 31}
